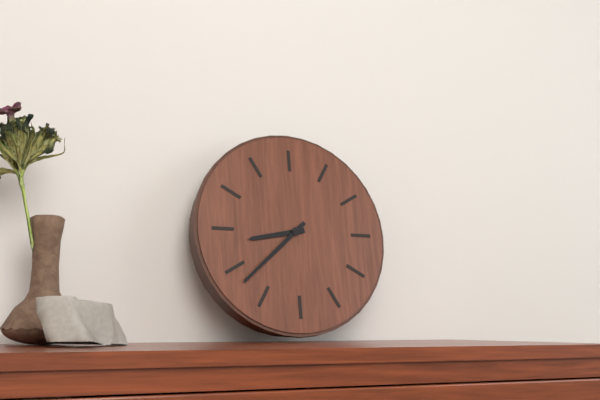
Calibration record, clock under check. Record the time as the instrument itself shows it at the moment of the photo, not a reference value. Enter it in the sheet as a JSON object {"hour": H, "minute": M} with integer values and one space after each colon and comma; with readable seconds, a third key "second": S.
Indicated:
{"hour": 8, "minute": 38}
